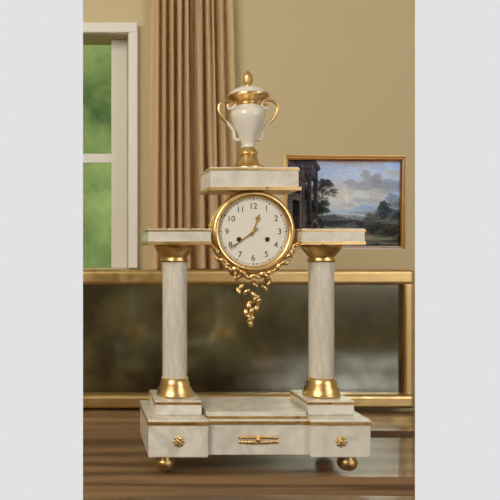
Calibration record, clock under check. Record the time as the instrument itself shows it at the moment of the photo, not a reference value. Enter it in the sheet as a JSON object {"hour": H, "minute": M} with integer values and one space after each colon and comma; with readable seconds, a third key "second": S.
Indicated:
{"hour": 12, "minute": 39}
